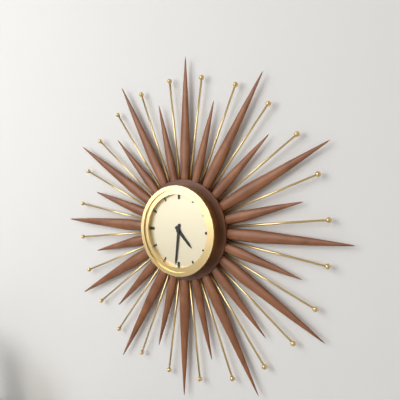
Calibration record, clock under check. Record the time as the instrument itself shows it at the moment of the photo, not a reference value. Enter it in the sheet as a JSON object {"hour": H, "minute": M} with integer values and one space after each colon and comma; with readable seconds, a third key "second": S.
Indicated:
{"hour": 4, "minute": 31}
